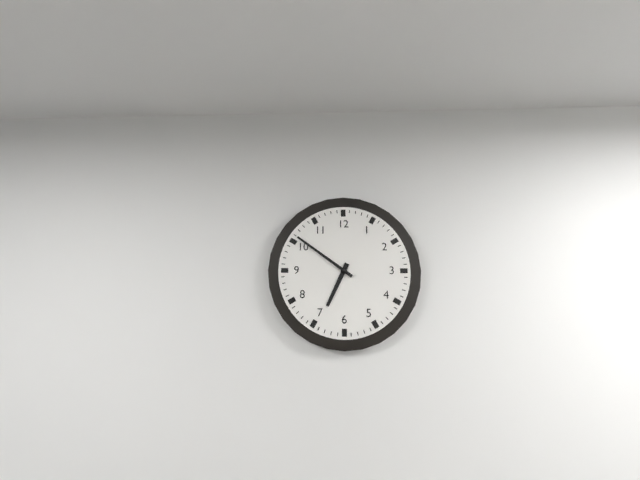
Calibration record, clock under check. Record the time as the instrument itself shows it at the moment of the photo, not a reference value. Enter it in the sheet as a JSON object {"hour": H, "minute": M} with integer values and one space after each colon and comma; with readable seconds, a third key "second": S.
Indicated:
{"hour": 6, "minute": 51}
